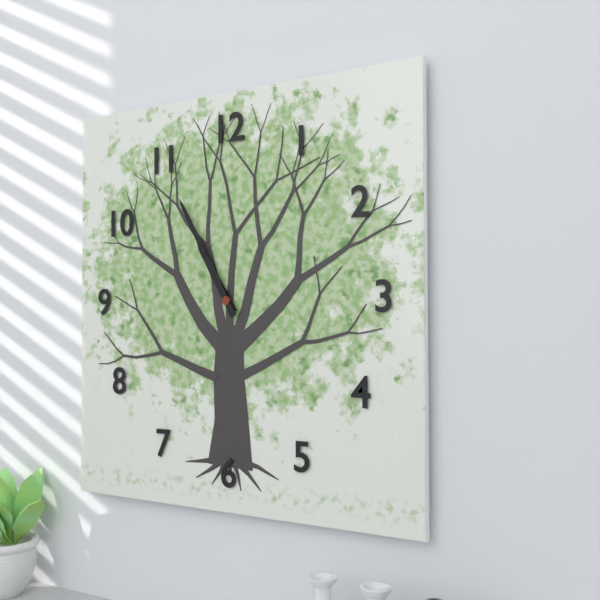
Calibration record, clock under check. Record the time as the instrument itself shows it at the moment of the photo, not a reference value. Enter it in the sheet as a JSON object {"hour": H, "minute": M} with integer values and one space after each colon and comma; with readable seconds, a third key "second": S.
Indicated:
{"hour": 10, "minute": 55}
